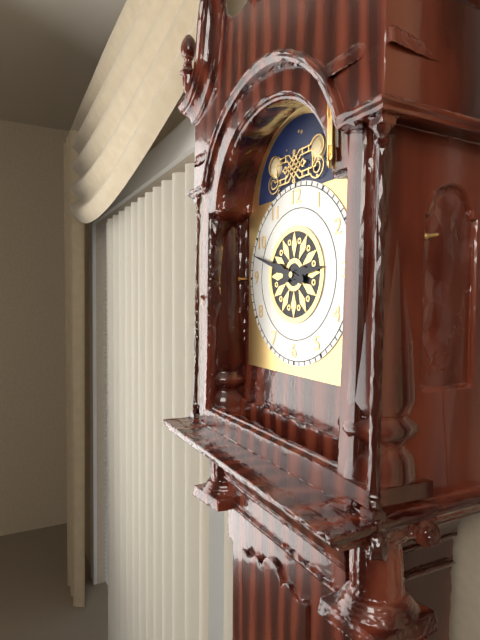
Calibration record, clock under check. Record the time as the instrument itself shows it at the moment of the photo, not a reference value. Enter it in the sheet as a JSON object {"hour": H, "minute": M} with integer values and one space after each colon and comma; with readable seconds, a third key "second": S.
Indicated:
{"hour": 2, "minute": 48}
